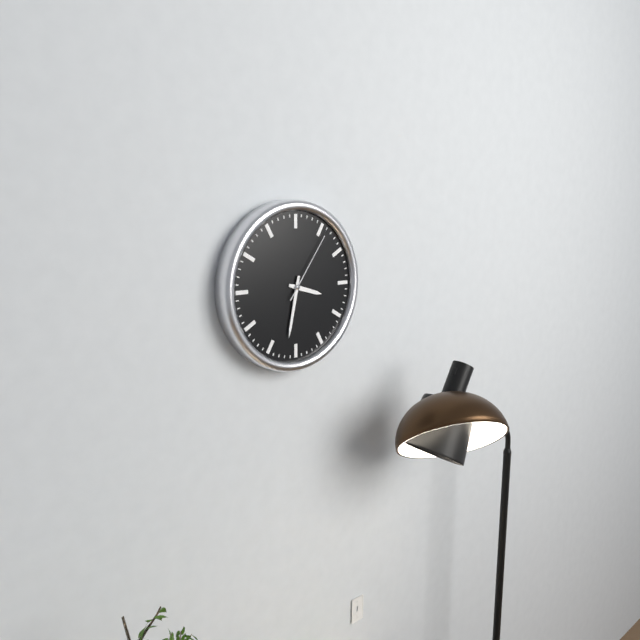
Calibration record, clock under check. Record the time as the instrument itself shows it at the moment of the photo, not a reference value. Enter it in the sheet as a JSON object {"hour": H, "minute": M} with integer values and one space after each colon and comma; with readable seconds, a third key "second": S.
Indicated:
{"hour": 3, "minute": 32, "second": 6}
